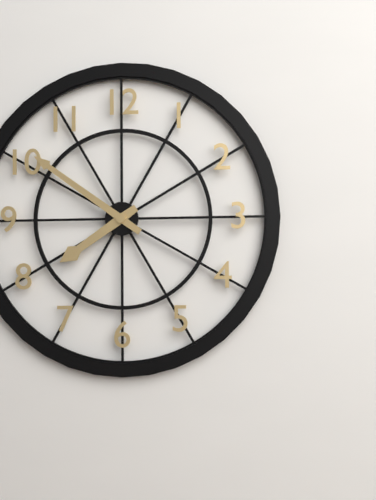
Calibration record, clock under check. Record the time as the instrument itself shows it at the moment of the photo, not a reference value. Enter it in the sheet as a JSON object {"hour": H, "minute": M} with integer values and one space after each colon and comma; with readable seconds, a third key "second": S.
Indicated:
{"hour": 7, "minute": 51}
